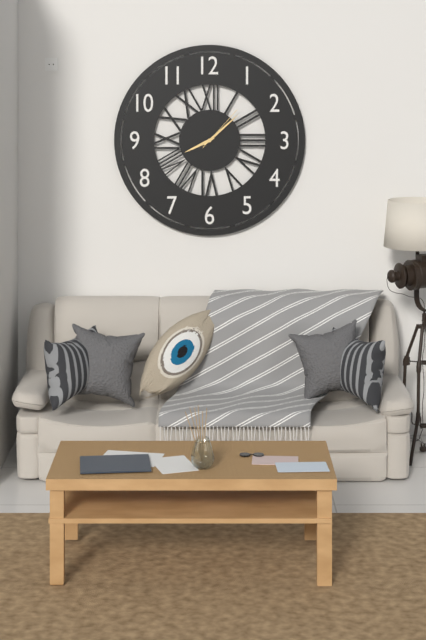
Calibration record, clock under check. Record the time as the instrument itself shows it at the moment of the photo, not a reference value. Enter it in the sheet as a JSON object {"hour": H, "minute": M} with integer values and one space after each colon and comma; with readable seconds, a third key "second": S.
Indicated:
{"hour": 8, "minute": 8, "second": 7}
